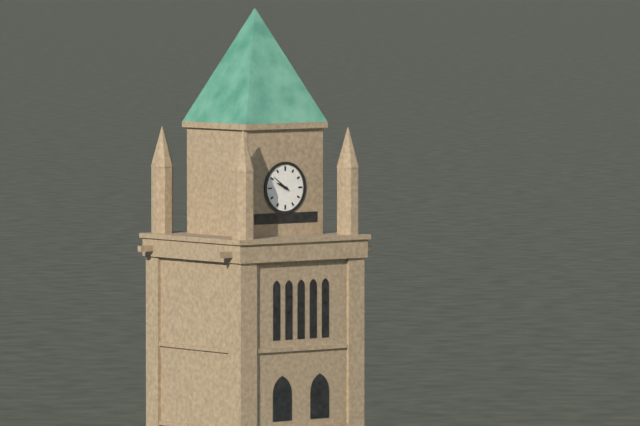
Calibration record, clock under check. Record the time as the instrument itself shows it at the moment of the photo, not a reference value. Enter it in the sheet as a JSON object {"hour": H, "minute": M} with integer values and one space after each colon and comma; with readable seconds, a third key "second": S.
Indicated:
{"hour": 9, "minute": 51}
